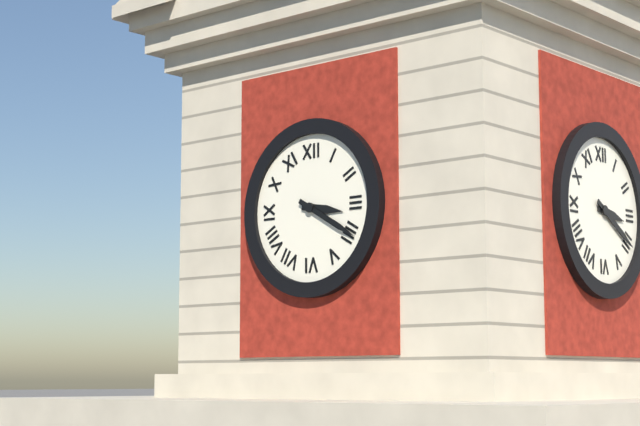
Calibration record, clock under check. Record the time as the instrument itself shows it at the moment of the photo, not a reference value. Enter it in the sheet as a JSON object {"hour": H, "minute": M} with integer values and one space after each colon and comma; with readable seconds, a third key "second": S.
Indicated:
{"hour": 3, "minute": 20}
